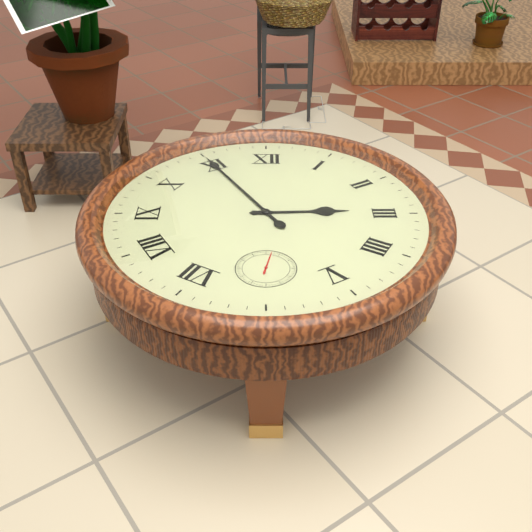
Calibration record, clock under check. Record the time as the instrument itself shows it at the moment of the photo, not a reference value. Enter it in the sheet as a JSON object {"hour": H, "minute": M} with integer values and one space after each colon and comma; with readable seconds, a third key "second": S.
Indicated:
{"hour": 2, "minute": 55}
